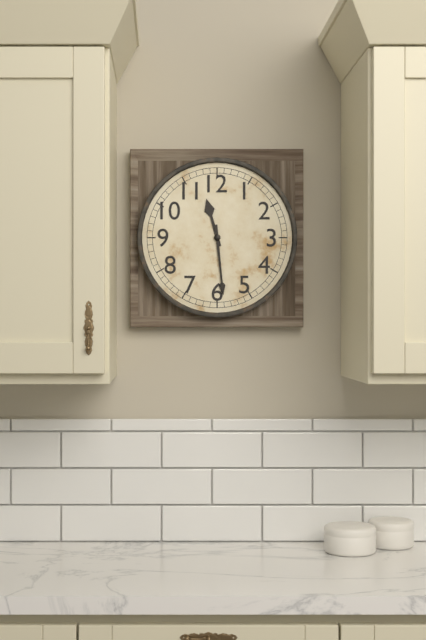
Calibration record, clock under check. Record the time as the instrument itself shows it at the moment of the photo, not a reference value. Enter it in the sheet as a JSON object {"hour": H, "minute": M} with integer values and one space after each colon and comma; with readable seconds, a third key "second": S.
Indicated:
{"hour": 11, "minute": 29}
